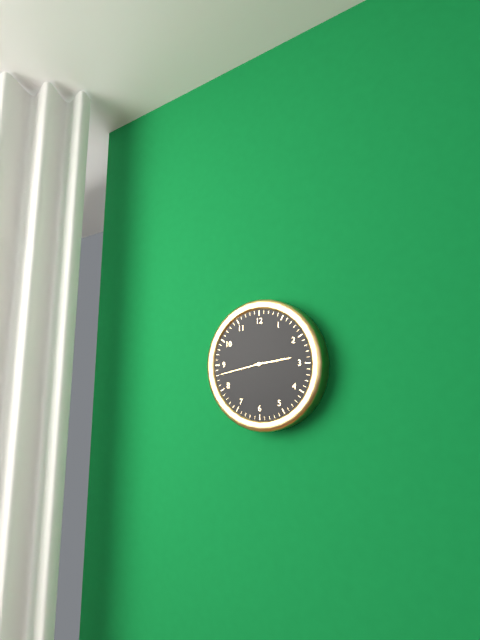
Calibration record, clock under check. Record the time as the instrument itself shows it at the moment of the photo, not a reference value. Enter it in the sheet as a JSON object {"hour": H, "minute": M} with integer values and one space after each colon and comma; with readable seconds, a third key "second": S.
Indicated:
{"hour": 2, "minute": 43}
